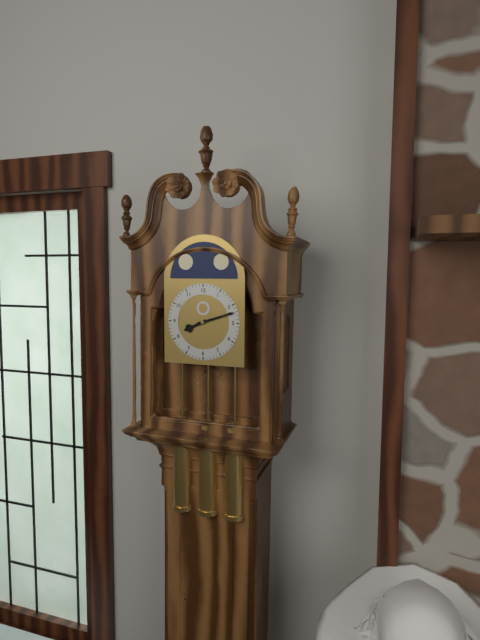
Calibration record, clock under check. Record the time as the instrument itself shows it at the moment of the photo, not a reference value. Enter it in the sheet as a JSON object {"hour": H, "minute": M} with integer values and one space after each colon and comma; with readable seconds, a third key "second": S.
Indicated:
{"hour": 8, "minute": 12}
